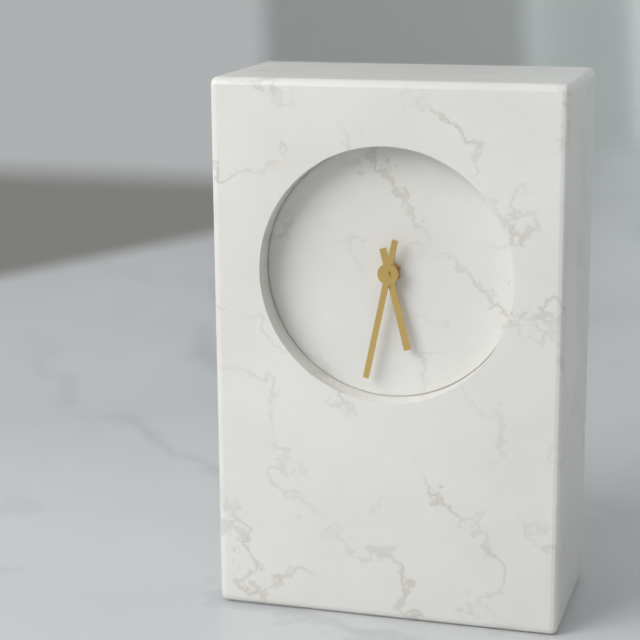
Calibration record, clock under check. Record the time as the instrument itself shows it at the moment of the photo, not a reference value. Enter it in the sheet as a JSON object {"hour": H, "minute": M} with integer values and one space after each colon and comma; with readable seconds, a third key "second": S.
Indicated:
{"hour": 5, "minute": 32}
